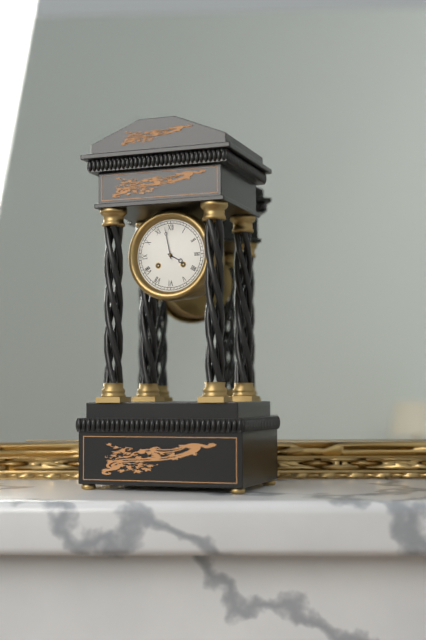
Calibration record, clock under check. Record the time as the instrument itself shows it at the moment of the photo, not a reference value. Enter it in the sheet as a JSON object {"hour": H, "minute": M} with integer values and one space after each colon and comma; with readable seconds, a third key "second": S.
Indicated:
{"hour": 3, "minute": 58}
